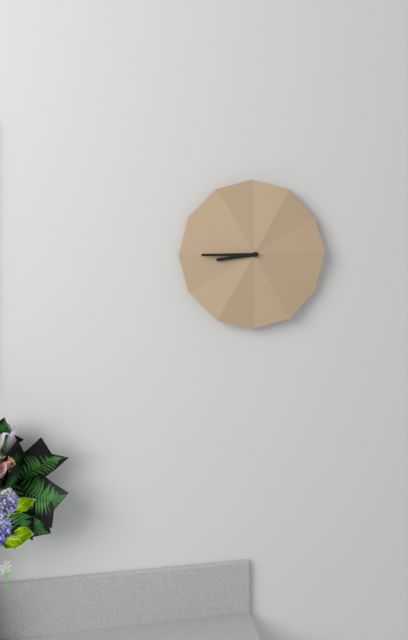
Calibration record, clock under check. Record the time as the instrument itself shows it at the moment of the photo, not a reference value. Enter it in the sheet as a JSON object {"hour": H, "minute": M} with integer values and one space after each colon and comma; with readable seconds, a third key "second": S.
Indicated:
{"hour": 8, "minute": 45}
